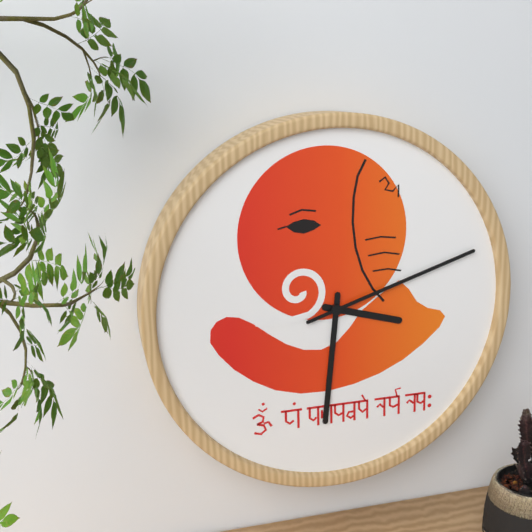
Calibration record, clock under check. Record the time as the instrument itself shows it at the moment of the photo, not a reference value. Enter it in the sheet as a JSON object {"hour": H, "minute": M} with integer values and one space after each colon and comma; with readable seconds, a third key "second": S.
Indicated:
{"hour": 3, "minute": 31, "second": 12}
